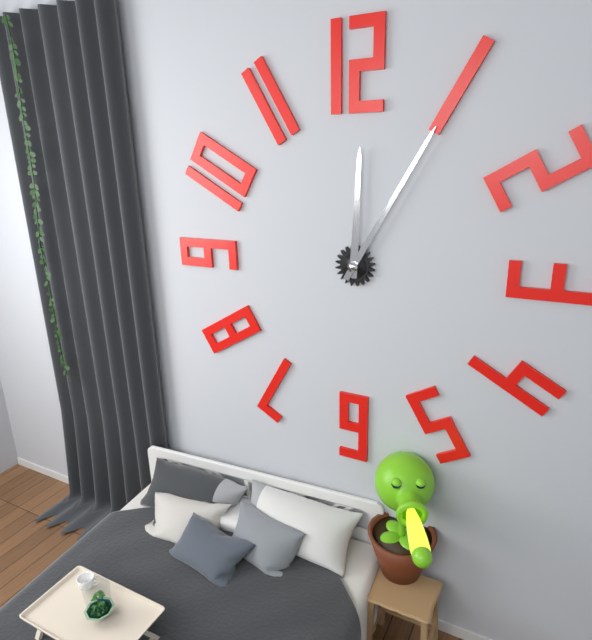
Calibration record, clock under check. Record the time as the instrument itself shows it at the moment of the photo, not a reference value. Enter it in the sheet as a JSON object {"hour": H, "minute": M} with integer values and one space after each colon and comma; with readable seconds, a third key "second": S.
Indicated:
{"hour": 12, "minute": 5}
